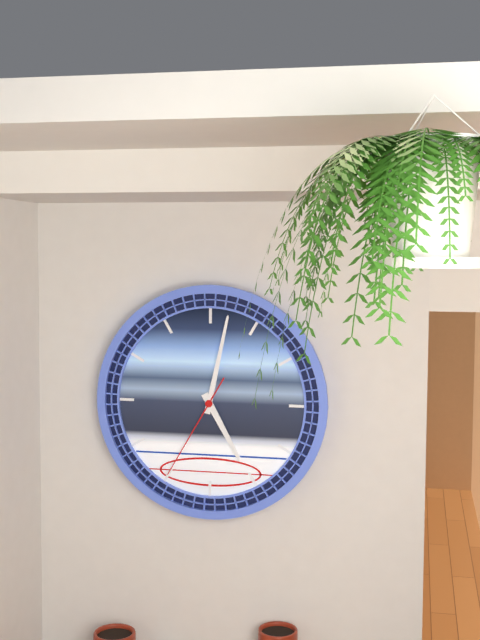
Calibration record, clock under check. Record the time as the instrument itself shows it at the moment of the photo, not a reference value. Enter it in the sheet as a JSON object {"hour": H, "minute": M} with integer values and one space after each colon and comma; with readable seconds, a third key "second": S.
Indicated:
{"hour": 5, "minute": 2, "second": 35}
